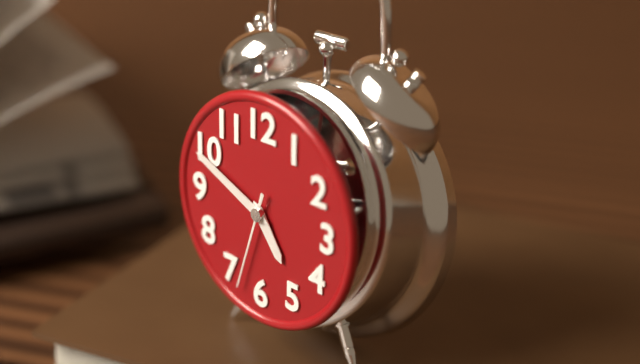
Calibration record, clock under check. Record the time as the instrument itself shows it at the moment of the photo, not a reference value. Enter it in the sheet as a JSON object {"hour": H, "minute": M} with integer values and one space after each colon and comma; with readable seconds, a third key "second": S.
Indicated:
{"hour": 4, "minute": 49, "second": 33}
